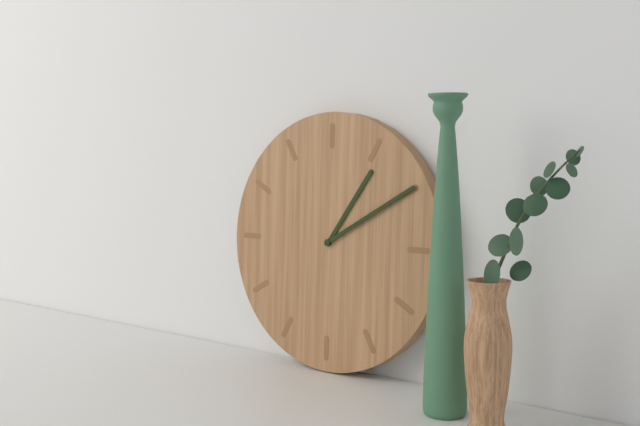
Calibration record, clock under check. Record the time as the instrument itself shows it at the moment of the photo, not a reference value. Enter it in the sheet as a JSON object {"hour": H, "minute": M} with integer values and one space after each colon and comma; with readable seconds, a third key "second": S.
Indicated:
{"hour": 1, "minute": 10}
